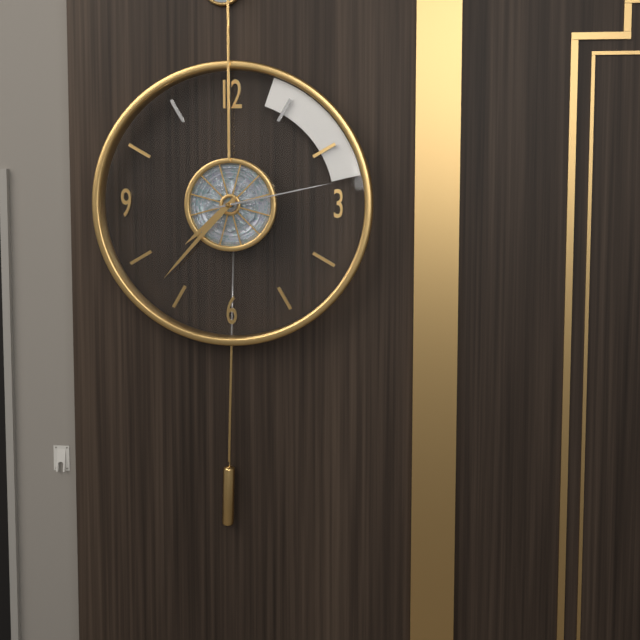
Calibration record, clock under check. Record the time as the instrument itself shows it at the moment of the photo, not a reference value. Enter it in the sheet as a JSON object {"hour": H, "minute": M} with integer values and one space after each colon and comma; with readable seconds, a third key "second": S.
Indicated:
{"hour": 7, "minute": 37, "second": 13}
